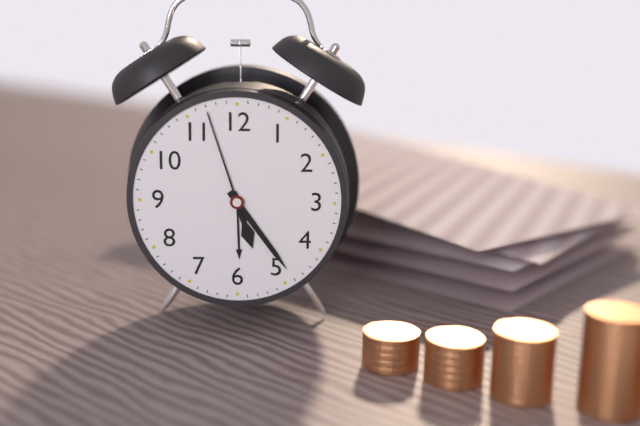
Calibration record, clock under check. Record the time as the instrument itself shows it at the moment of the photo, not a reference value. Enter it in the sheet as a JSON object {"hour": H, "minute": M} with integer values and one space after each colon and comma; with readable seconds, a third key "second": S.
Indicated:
{"hour": 5, "minute": 24, "second": 57}
